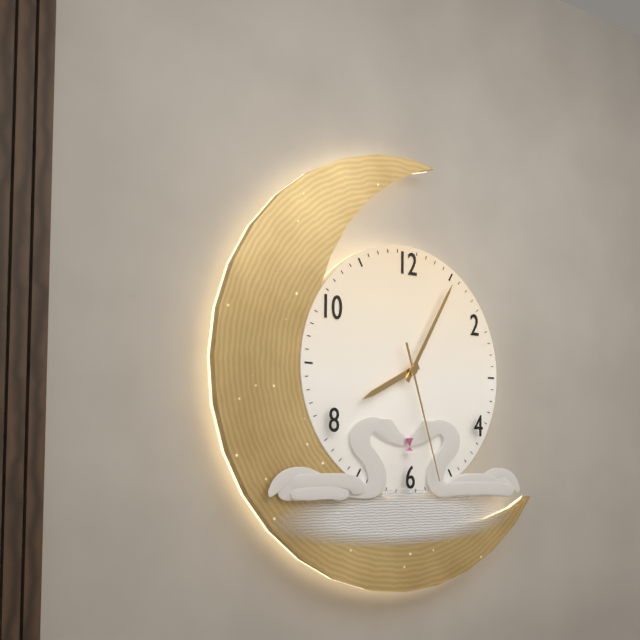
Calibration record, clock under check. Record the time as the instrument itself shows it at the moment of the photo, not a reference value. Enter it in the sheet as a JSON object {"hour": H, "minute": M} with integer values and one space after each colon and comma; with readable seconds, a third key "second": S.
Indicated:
{"hour": 8, "minute": 5, "second": 27}
